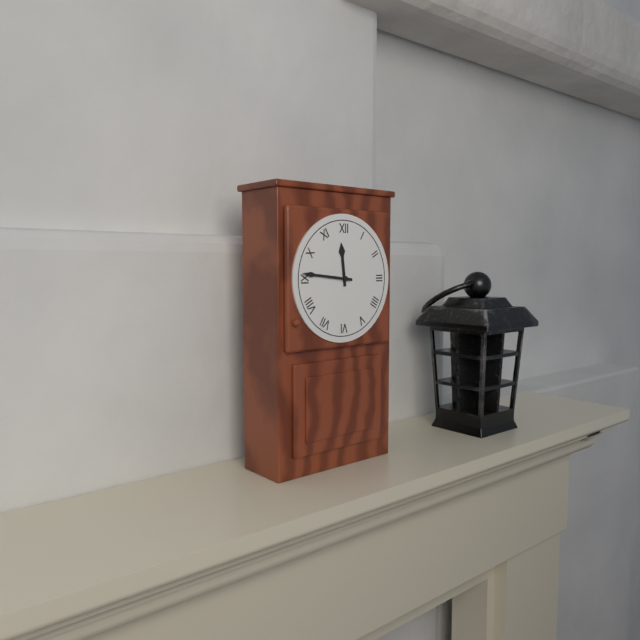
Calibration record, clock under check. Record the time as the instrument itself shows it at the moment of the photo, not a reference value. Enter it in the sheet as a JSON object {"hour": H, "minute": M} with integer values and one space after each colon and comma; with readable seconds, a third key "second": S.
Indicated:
{"hour": 11, "minute": 46}
